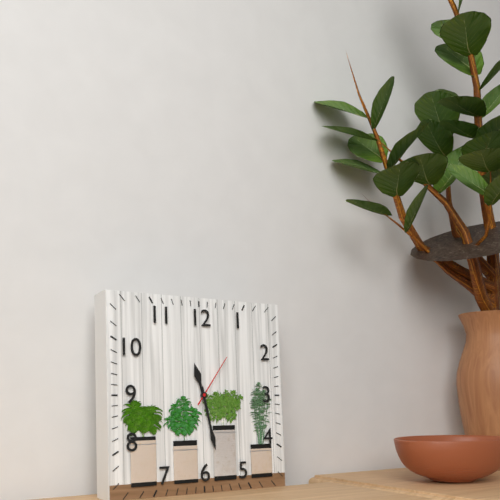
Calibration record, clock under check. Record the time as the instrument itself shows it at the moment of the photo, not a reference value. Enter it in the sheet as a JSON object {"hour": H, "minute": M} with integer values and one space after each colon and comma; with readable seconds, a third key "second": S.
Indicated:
{"hour": 11, "minute": 28, "second": 6}
